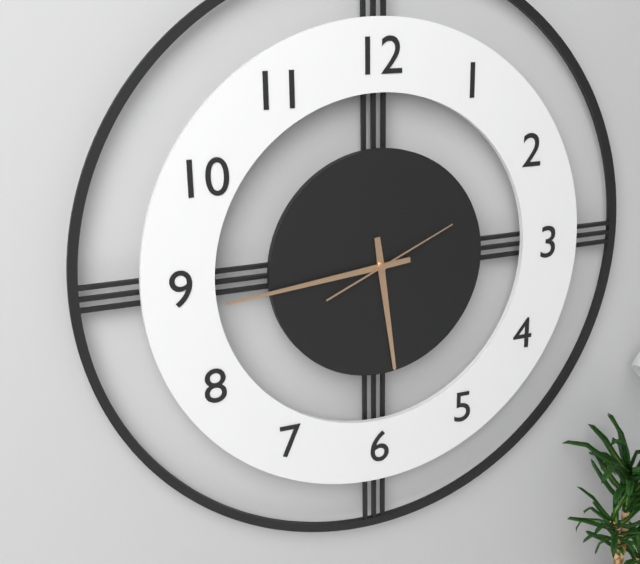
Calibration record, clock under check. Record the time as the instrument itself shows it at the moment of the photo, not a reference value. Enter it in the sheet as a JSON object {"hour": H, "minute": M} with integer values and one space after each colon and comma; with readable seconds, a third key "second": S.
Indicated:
{"hour": 5, "minute": 44, "second": 11}
